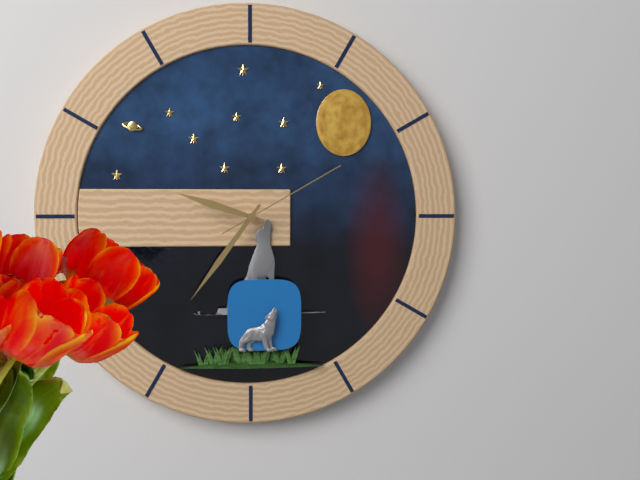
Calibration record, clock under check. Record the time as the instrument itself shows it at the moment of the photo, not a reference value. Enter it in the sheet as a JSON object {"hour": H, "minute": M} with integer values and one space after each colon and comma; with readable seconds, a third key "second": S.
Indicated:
{"hour": 9, "minute": 36, "second": 10}
